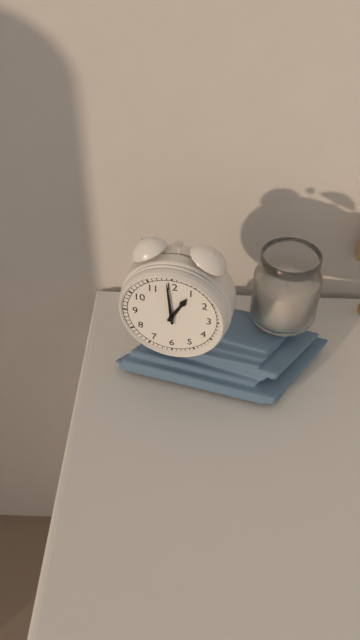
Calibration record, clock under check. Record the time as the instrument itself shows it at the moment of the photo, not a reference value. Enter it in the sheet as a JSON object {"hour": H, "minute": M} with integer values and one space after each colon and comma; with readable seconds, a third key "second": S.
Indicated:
{"hour": 12, "minute": 59}
